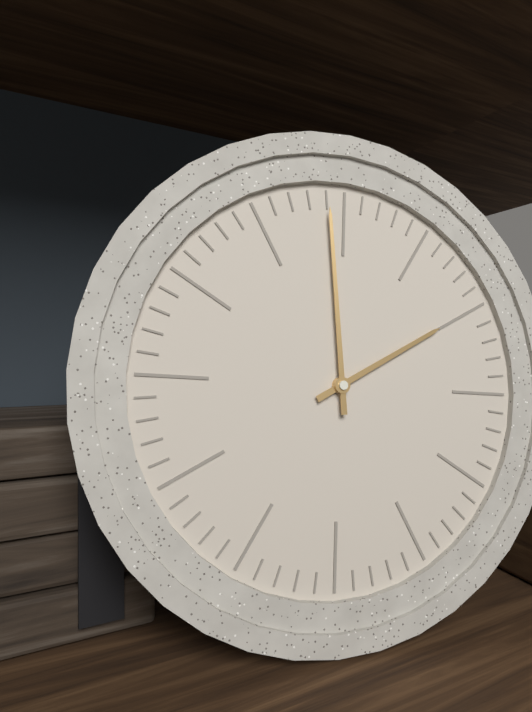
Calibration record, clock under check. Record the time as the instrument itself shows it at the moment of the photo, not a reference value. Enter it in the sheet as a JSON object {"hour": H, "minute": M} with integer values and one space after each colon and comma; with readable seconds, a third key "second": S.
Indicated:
{"hour": 1, "minute": 59}
